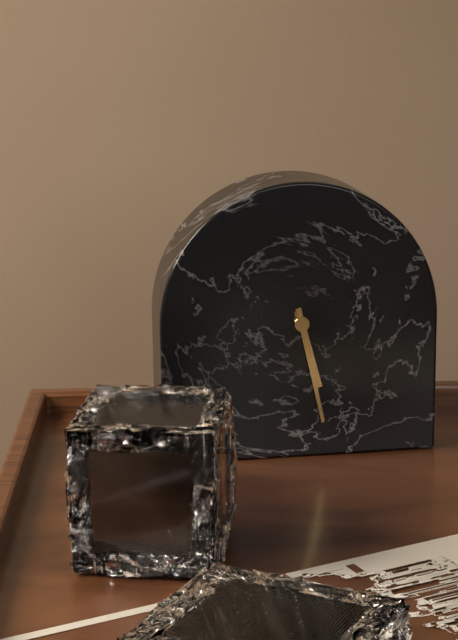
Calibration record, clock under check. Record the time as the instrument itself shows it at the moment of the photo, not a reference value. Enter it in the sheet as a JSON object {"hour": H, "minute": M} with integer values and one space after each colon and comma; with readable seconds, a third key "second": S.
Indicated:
{"hour": 5, "minute": 28}
